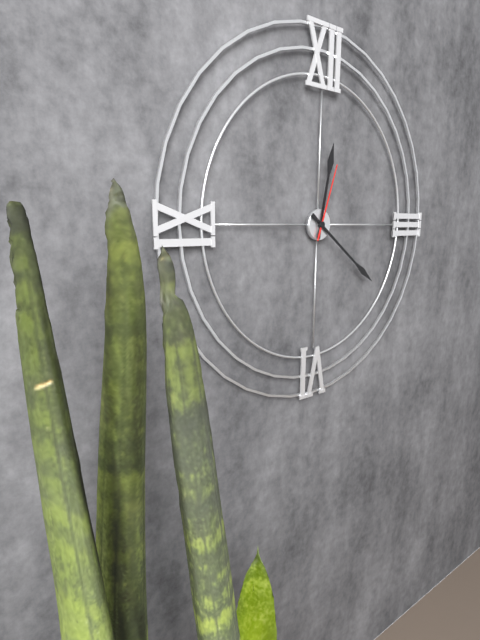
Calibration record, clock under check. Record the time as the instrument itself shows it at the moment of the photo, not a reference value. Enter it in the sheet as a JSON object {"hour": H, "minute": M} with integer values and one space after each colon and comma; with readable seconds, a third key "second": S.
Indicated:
{"hour": 12, "minute": 21, "second": 3}
